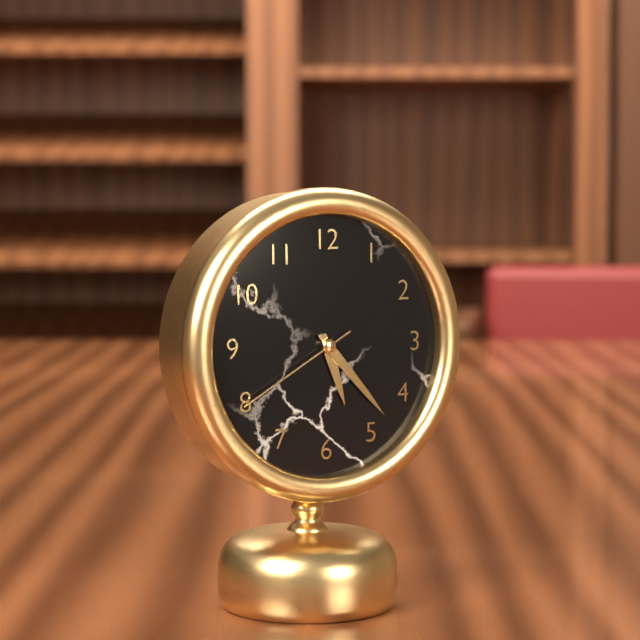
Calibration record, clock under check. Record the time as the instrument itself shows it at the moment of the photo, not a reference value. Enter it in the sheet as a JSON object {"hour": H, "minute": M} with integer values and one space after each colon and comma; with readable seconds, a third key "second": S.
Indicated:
{"hour": 5, "minute": 23, "second": 40}
